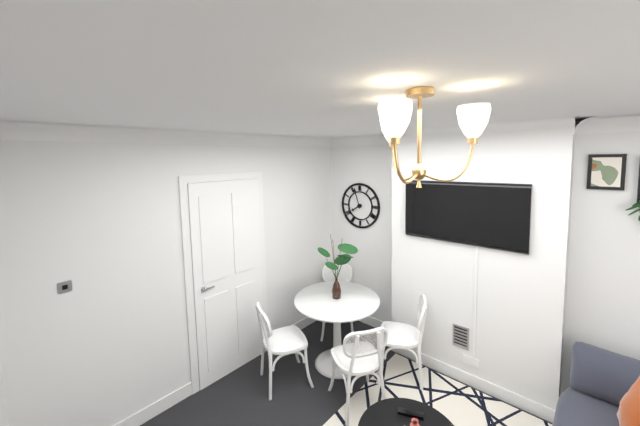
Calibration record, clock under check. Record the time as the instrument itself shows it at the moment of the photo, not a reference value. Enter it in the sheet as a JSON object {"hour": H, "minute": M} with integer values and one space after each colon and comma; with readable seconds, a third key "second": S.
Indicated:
{"hour": 7, "minute": 57}
